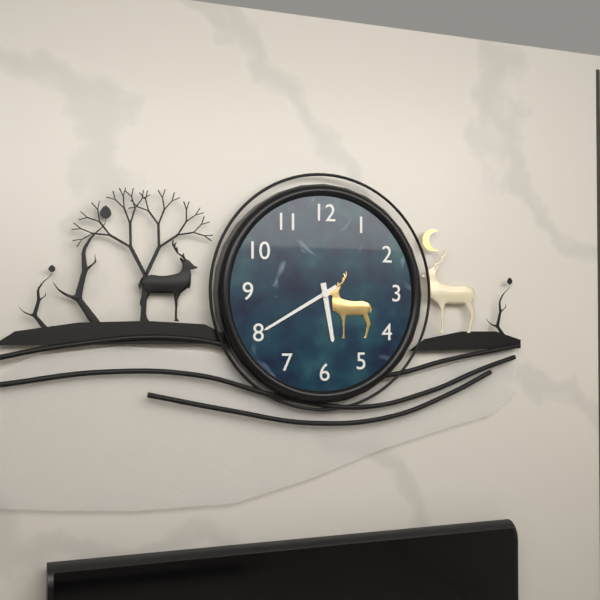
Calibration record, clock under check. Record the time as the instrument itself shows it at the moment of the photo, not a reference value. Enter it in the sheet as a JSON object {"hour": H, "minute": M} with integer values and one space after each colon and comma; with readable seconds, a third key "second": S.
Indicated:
{"hour": 5, "minute": 40}
